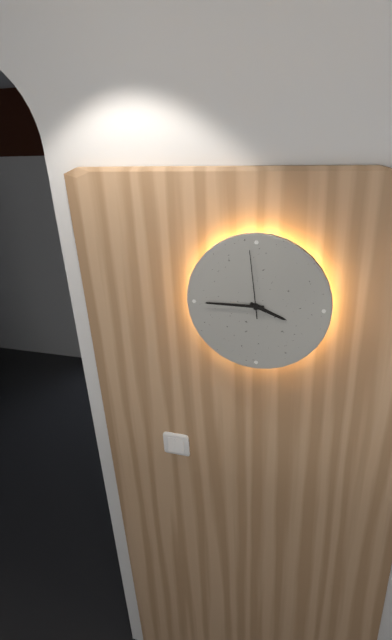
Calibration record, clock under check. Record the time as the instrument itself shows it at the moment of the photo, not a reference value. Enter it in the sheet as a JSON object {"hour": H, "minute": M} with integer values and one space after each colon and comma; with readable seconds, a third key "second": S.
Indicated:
{"hour": 3, "minute": 45, "second": 59}
